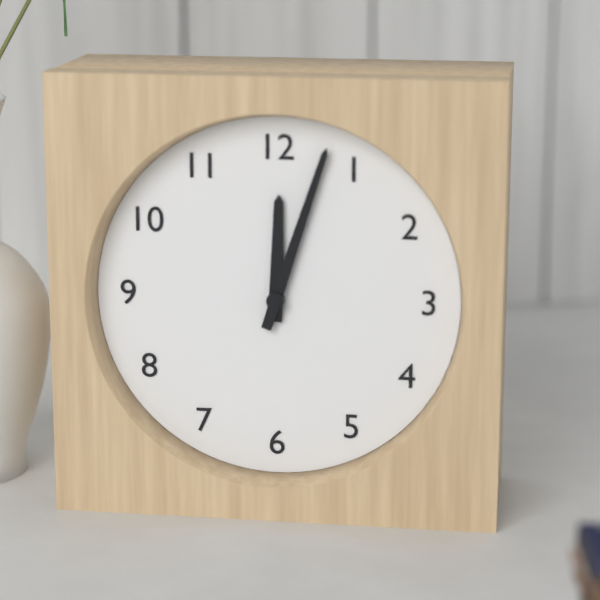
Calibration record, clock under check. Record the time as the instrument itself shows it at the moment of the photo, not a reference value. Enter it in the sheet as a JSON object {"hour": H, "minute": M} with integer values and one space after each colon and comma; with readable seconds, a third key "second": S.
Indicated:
{"hour": 12, "minute": 3}
